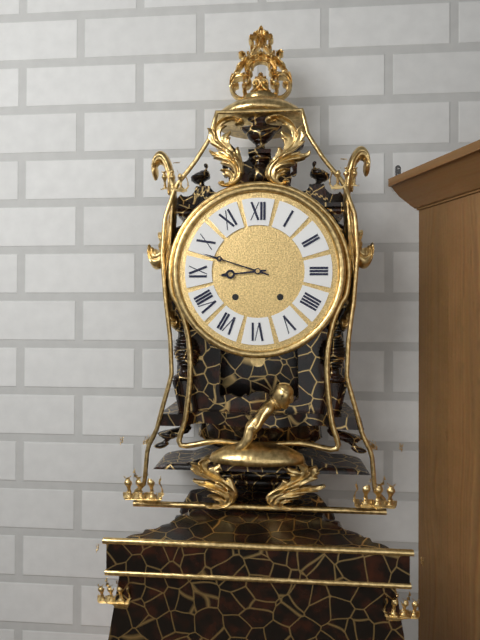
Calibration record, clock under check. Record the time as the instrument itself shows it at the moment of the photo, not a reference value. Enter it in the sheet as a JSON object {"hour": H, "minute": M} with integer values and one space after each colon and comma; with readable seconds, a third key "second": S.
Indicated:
{"hour": 8, "minute": 48}
